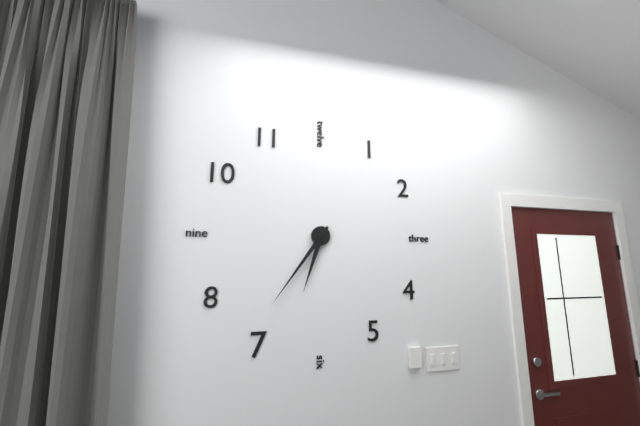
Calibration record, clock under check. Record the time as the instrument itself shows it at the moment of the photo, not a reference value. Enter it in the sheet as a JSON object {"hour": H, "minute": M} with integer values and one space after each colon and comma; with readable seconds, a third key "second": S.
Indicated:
{"hour": 6, "minute": 36}
